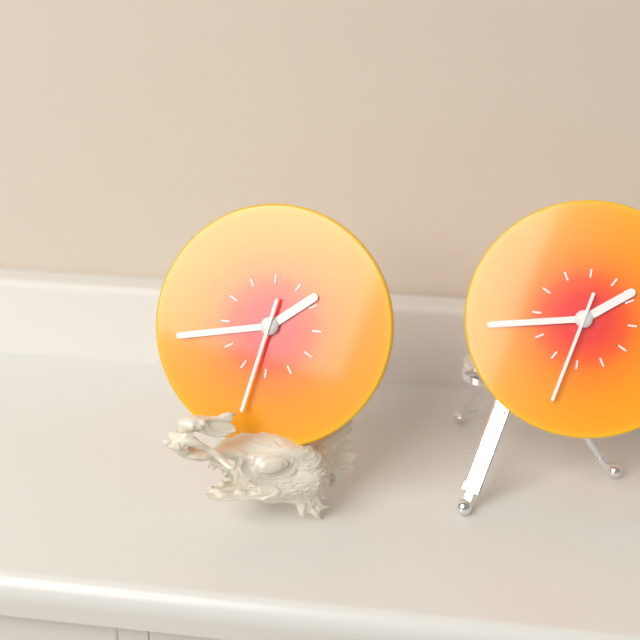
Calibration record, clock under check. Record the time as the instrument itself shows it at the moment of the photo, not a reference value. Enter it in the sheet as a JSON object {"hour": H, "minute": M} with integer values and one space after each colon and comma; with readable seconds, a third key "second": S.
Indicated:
{"hour": 1, "minute": 43, "second": 32}
